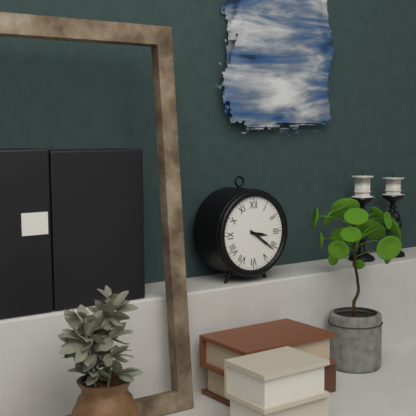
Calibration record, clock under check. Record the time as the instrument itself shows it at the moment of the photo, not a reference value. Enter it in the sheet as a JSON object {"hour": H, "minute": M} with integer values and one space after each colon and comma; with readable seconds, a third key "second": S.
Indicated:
{"hour": 3, "minute": 21}
